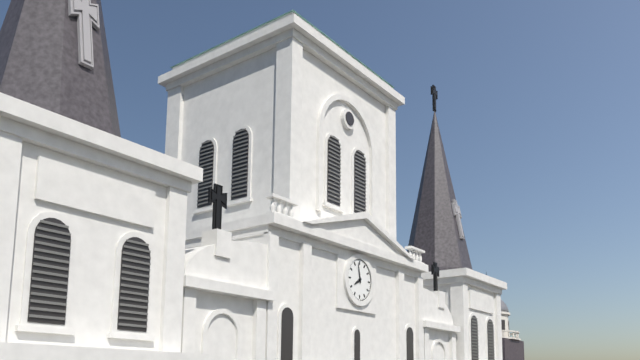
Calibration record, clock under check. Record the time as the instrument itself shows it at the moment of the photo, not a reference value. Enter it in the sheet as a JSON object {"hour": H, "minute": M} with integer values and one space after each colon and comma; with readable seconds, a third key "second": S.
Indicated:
{"hour": 7, "minute": 58}
